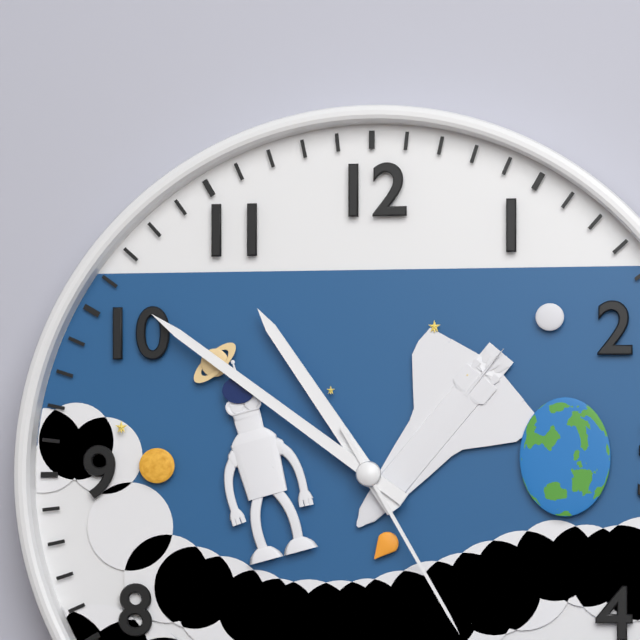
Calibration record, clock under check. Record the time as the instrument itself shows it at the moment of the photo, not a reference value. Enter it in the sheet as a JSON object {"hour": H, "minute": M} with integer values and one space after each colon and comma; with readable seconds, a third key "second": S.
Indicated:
{"hour": 10, "minute": 51, "second": 25}
